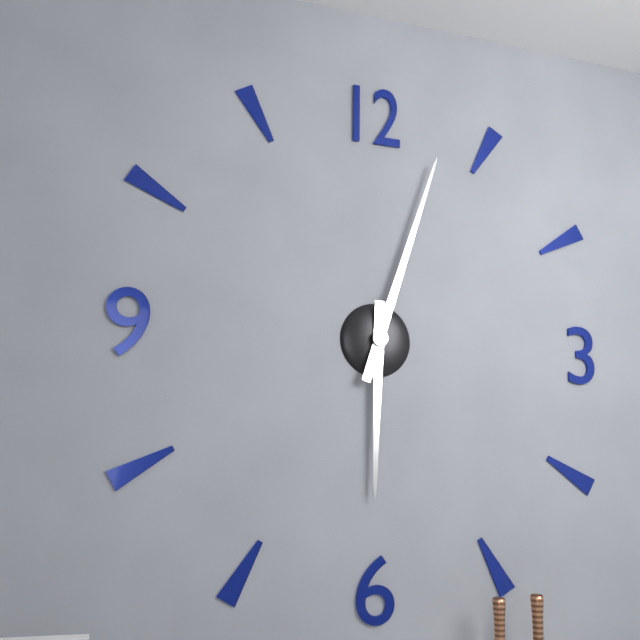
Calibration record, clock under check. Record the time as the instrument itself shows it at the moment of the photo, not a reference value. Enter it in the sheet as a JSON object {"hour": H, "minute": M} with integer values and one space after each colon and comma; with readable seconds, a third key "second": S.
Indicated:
{"hour": 6, "minute": 3}
